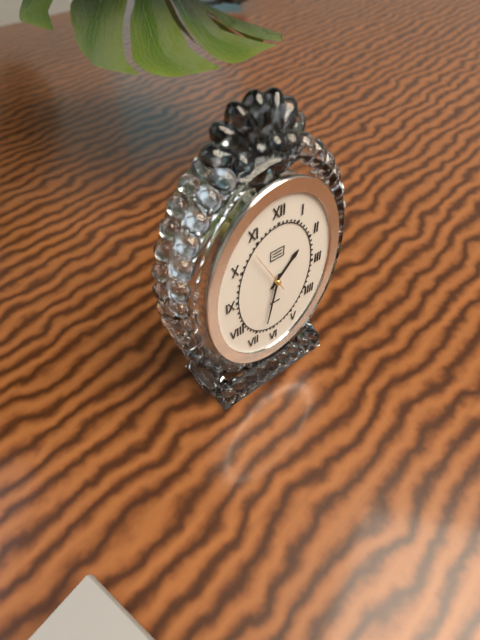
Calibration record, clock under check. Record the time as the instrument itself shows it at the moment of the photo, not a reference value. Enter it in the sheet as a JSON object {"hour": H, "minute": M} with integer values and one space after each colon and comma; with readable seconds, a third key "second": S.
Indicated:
{"hour": 1, "minute": 32}
